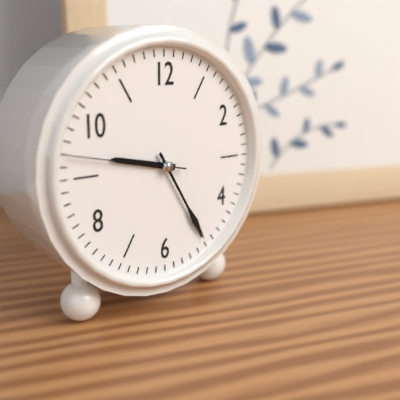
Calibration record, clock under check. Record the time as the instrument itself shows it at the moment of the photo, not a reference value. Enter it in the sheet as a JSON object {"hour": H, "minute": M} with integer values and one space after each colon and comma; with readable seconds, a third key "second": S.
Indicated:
{"hour": 9, "minute": 25, "second": 47}
